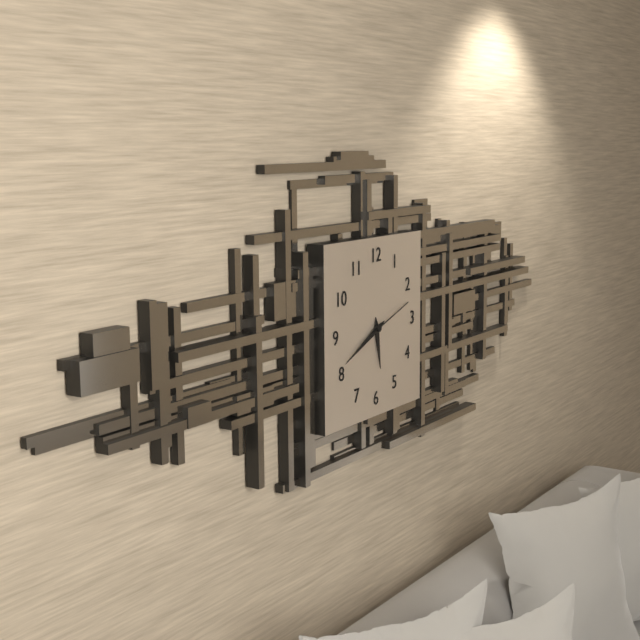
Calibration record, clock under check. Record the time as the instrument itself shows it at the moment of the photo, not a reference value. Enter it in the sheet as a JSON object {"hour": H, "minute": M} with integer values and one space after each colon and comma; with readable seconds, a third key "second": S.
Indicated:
{"hour": 5, "minute": 41}
